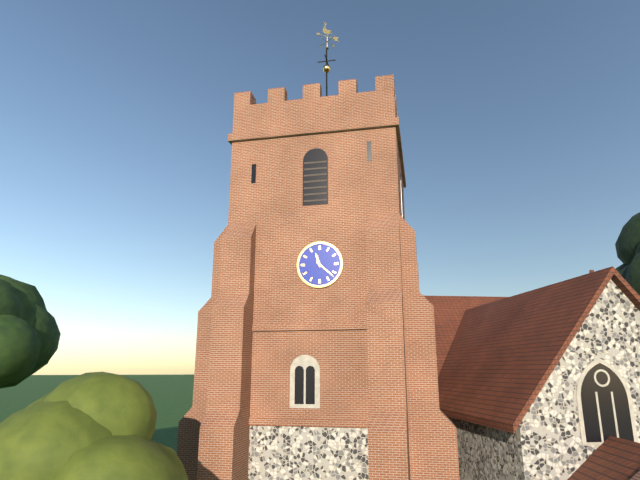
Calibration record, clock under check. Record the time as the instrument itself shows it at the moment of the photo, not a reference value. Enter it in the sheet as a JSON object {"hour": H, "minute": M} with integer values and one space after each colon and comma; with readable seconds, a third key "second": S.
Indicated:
{"hour": 11, "minute": 22}
